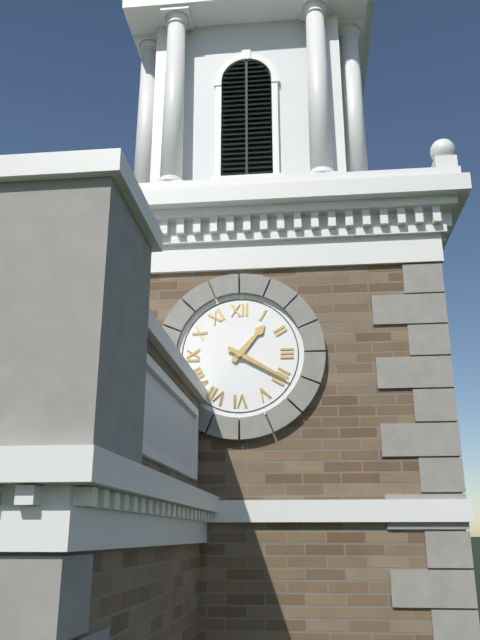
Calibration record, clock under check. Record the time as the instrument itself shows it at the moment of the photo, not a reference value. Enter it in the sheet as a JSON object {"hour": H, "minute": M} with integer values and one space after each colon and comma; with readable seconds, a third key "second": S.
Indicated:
{"hour": 1, "minute": 20}
